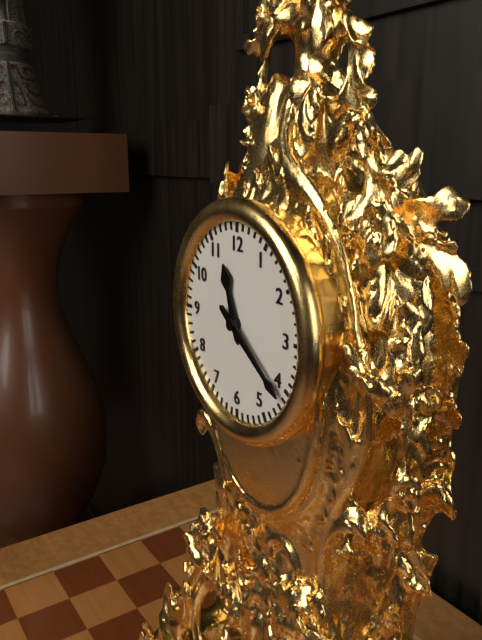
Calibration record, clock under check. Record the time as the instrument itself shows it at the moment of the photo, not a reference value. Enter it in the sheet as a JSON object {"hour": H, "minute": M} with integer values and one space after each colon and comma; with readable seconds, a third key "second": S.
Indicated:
{"hour": 11, "minute": 21}
